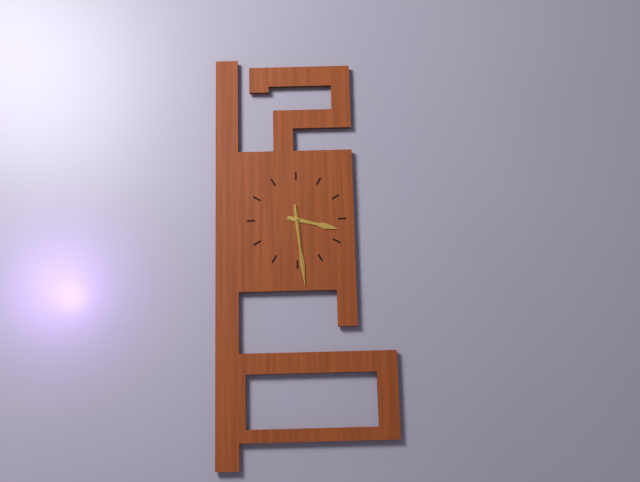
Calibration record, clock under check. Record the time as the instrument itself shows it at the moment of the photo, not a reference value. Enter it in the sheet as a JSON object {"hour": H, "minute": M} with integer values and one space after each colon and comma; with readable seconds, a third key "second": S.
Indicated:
{"hour": 3, "minute": 29, "second": 29}
